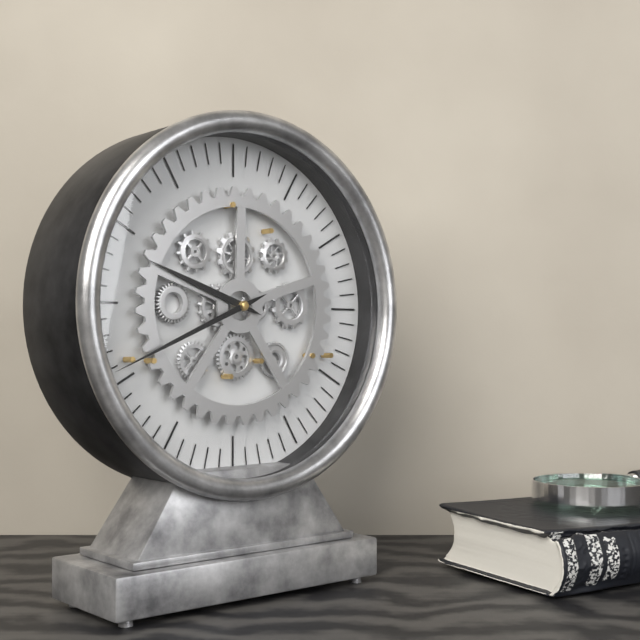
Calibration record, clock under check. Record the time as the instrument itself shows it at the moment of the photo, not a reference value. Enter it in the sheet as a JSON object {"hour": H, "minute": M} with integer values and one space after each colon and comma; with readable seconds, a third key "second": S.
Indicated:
{"hour": 9, "minute": 41}
